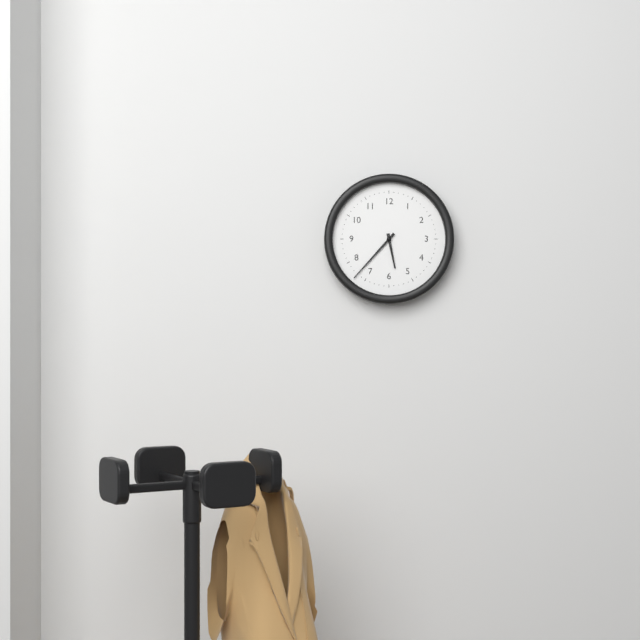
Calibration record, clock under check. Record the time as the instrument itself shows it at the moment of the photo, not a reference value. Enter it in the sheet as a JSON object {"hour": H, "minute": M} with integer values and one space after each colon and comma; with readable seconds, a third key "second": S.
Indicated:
{"hour": 5, "minute": 37}
